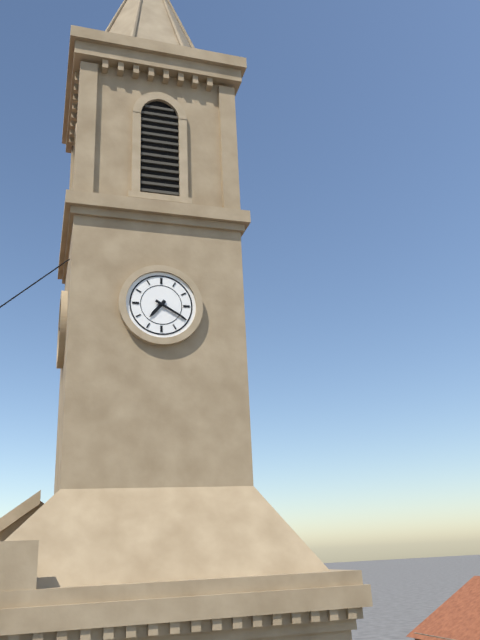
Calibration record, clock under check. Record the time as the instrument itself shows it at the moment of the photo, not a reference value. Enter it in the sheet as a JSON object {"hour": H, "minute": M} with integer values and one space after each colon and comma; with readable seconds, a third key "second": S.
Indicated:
{"hour": 7, "minute": 20}
